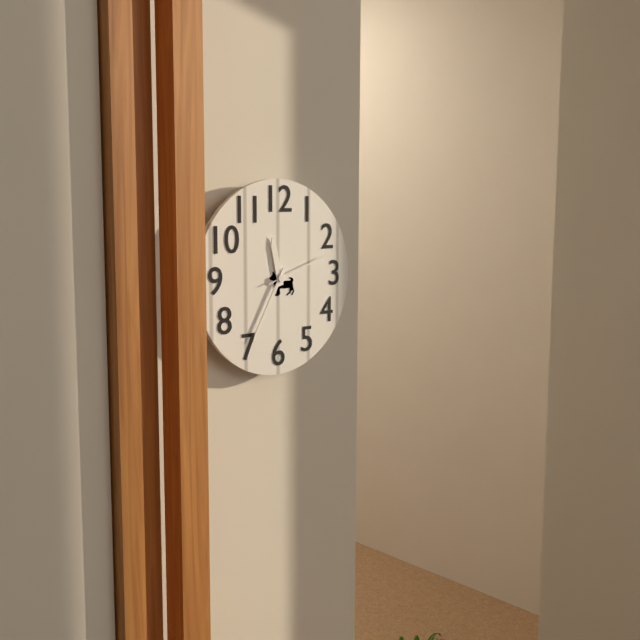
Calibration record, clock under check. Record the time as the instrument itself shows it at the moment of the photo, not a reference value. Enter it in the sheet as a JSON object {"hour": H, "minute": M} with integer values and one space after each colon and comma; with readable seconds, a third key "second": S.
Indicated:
{"hour": 11, "minute": 35, "second": 12}
